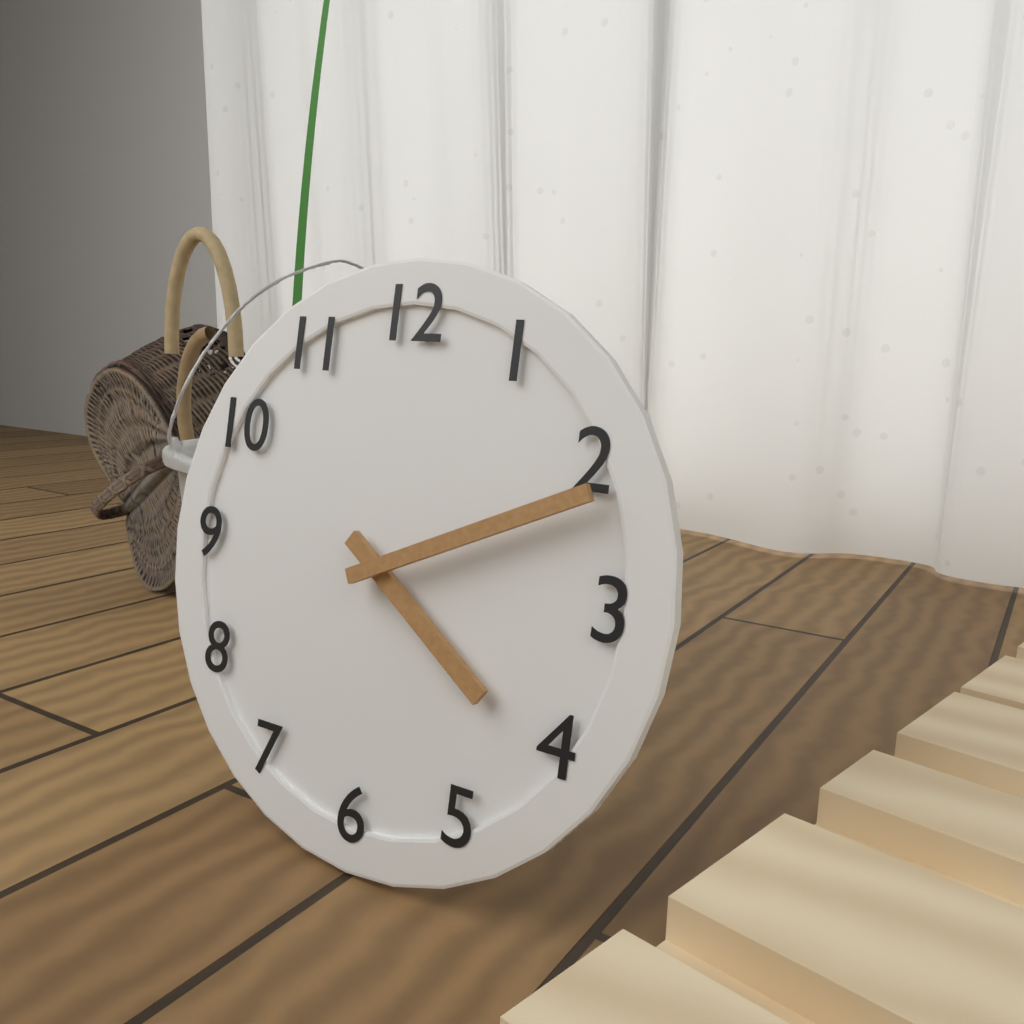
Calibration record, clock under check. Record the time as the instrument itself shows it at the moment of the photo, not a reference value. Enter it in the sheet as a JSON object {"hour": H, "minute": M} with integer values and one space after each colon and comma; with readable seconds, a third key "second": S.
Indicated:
{"hour": 4, "minute": 11}
